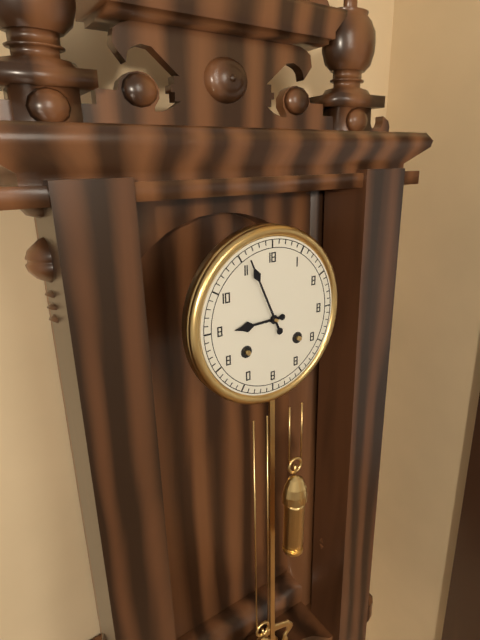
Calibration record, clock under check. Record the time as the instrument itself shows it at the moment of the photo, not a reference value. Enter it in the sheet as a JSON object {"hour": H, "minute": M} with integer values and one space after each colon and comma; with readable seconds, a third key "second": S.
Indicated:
{"hour": 8, "minute": 56}
